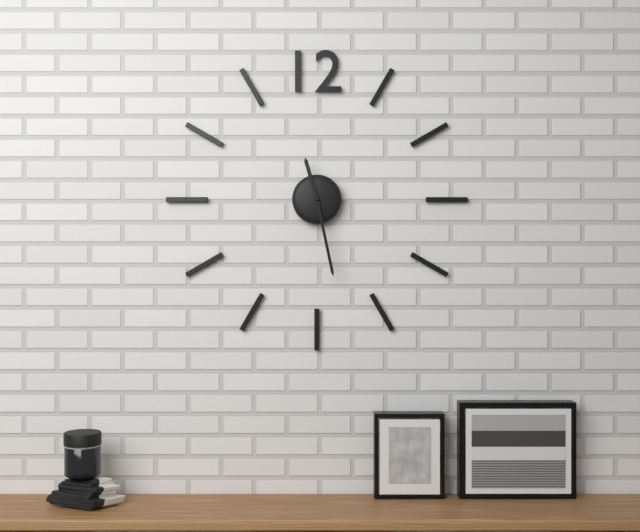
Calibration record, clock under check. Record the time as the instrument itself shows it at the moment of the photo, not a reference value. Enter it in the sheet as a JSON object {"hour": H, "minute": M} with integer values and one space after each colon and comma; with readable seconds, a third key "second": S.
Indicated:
{"hour": 11, "minute": 28}
